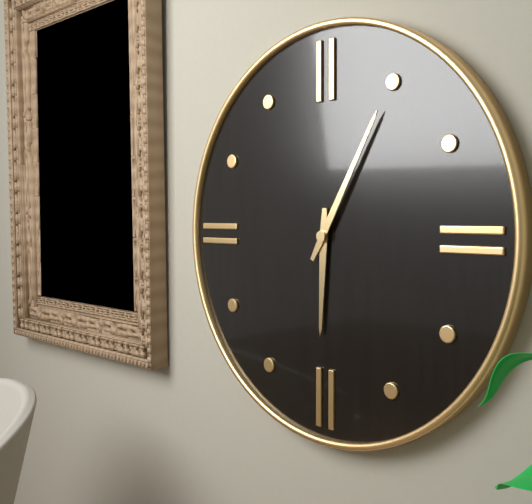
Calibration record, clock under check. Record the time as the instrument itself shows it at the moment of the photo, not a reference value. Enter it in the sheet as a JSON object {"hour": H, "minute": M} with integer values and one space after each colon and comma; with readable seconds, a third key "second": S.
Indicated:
{"hour": 6, "minute": 5}
